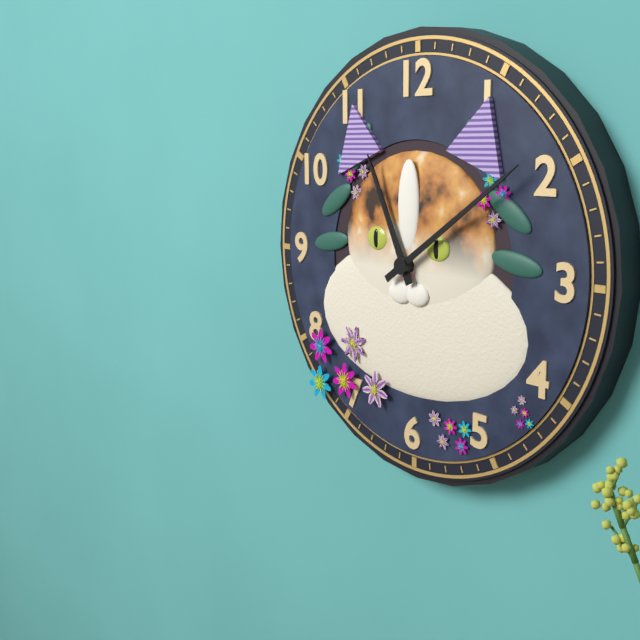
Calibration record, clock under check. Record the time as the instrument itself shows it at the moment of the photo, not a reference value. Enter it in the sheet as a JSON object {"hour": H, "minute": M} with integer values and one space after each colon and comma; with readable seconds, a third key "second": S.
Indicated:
{"hour": 11, "minute": 9}
